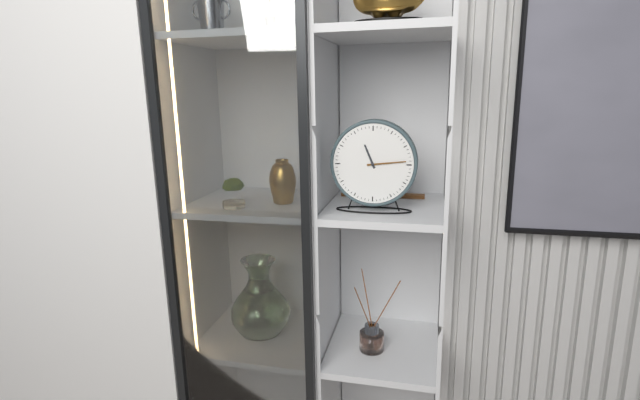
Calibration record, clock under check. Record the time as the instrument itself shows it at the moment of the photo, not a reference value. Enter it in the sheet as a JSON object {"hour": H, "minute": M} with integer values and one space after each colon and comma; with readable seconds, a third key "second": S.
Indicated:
{"hour": 11, "minute": 14}
